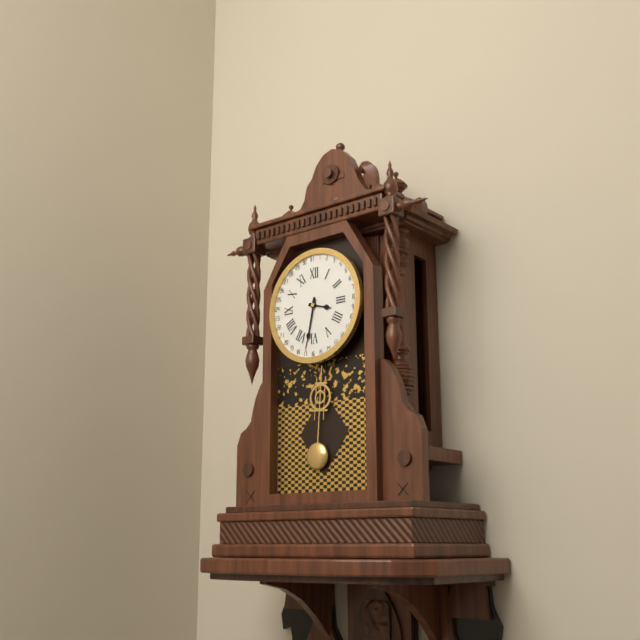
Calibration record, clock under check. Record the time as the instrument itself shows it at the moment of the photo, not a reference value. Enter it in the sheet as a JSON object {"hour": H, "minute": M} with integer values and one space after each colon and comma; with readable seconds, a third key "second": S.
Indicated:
{"hour": 3, "minute": 32}
